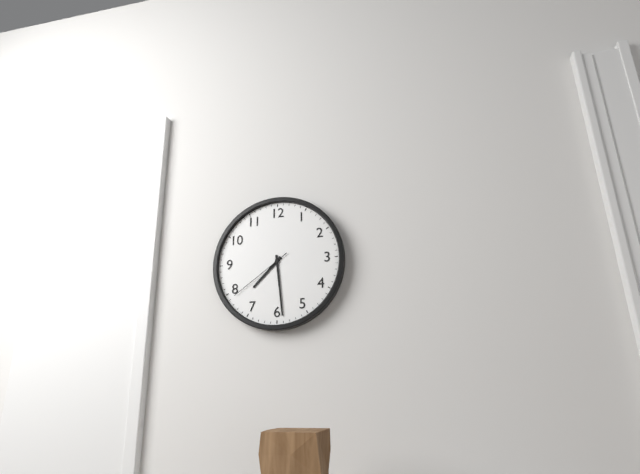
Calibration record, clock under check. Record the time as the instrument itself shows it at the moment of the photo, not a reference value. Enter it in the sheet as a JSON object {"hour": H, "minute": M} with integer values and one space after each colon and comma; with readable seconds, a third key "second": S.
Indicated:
{"hour": 7, "minute": 29, "second": 39}
